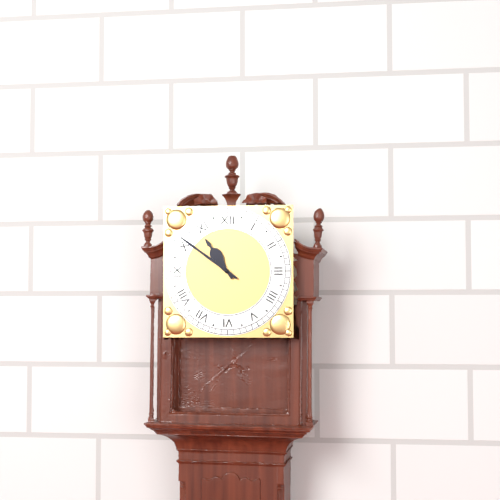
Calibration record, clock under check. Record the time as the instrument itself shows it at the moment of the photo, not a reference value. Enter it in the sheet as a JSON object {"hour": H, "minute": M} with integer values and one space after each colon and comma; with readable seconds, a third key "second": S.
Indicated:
{"hour": 10, "minute": 51}
